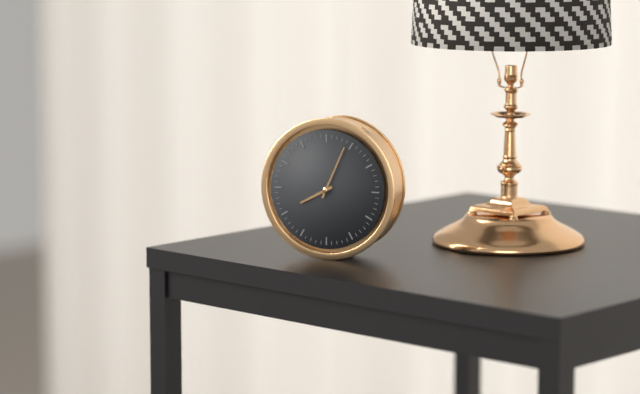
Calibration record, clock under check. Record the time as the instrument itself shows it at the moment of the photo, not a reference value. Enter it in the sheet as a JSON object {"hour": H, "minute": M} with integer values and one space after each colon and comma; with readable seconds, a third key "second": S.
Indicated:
{"hour": 8, "minute": 4}
